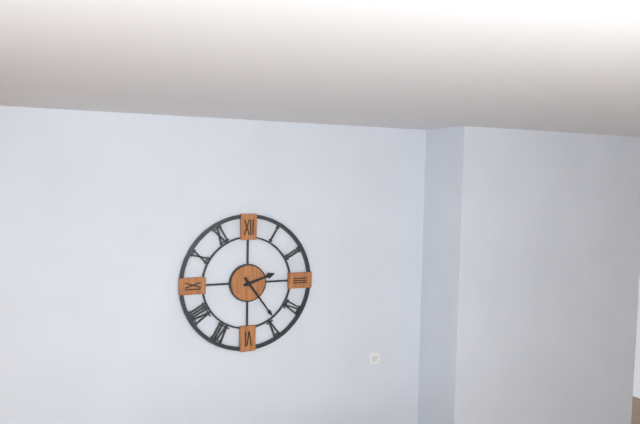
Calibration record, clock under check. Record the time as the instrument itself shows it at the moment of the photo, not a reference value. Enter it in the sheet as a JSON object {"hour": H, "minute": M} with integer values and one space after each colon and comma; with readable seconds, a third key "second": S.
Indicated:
{"hour": 2, "minute": 24}
